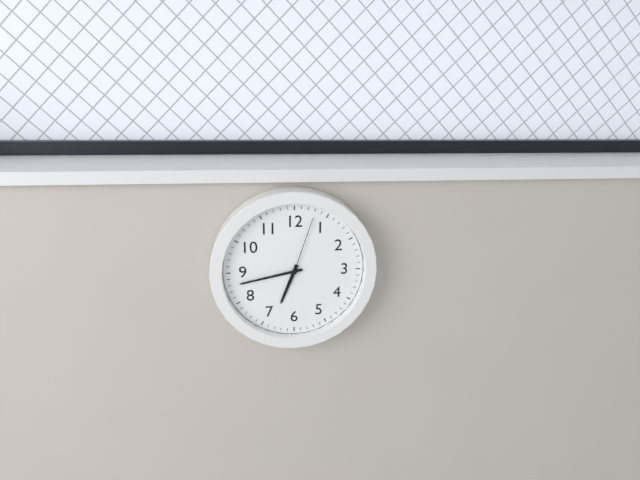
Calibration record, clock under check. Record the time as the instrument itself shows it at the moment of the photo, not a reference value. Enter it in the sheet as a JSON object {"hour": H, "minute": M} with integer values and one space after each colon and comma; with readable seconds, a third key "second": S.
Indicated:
{"hour": 6, "minute": 43, "second": 3}
